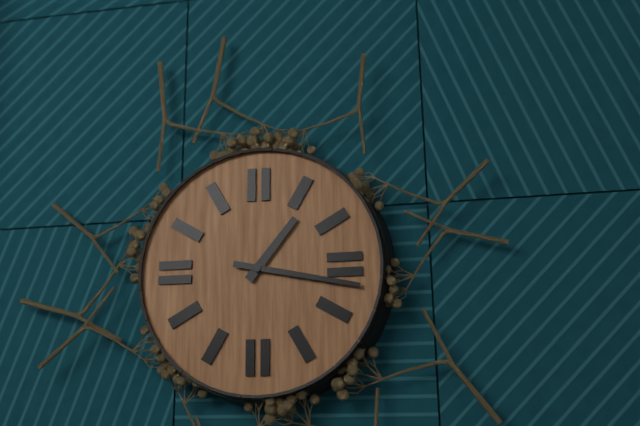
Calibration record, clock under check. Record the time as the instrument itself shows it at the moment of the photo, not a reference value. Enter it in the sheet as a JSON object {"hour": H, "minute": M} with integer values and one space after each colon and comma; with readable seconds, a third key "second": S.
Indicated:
{"hour": 1, "minute": 17}
